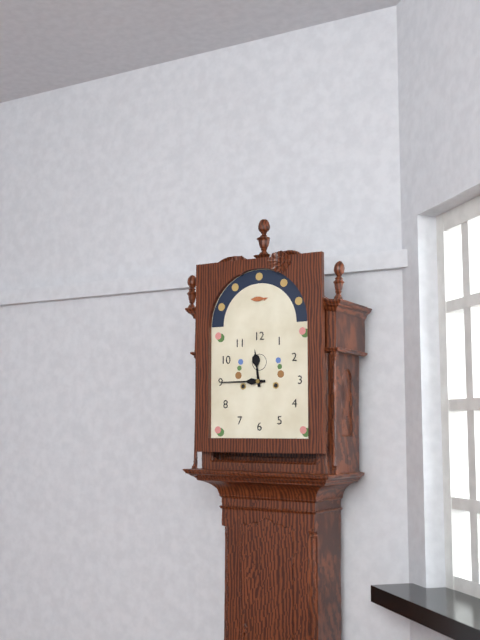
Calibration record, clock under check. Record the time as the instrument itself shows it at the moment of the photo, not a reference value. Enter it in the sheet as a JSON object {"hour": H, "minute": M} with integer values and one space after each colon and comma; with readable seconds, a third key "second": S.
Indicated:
{"hour": 11, "minute": 45}
